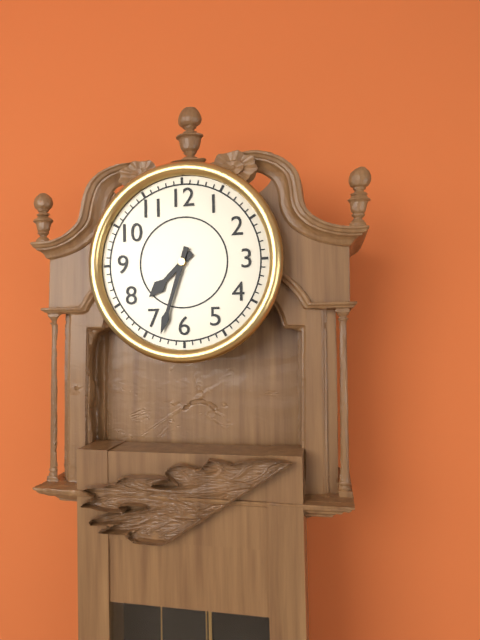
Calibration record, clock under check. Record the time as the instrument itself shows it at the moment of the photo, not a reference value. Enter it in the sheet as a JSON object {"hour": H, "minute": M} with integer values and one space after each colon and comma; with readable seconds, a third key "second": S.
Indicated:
{"hour": 7, "minute": 33}
